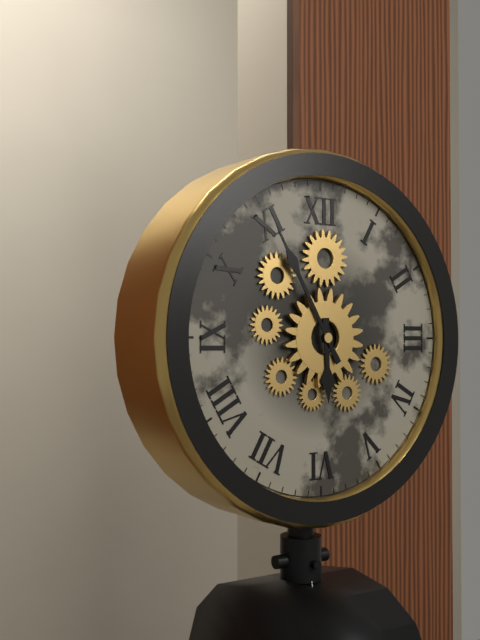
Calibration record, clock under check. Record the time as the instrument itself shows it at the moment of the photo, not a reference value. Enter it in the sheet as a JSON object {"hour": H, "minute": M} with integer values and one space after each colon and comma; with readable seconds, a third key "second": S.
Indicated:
{"hour": 5, "minute": 55}
